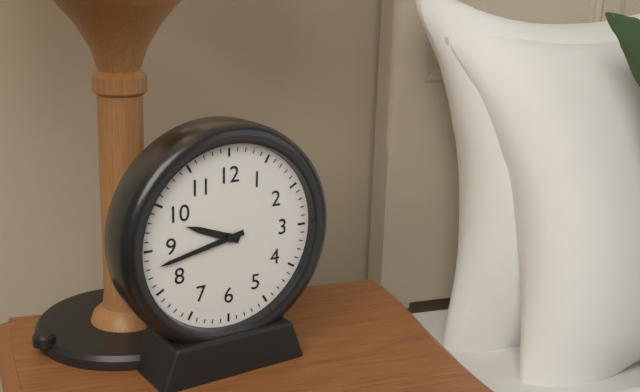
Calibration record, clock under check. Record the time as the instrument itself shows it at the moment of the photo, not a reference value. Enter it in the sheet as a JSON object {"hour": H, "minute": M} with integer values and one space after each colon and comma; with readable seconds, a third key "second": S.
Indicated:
{"hour": 9, "minute": 43}
